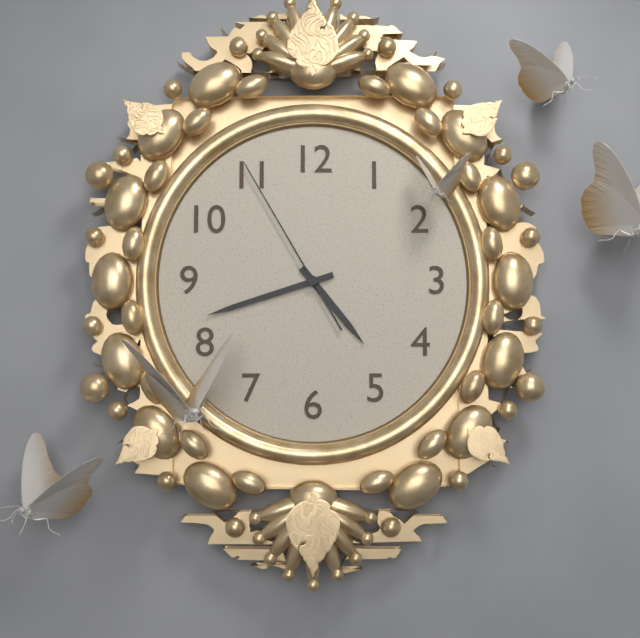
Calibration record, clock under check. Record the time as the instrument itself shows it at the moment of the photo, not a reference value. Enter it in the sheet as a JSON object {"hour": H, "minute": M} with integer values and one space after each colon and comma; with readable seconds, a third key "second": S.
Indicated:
{"hour": 4, "minute": 42, "second": 55}
